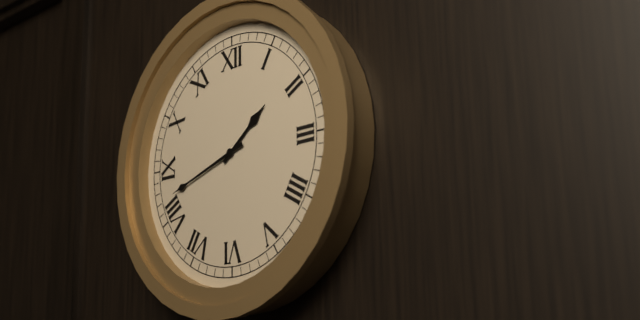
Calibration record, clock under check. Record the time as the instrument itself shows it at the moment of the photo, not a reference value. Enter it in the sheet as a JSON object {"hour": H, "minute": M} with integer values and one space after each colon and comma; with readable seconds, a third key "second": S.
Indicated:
{"hour": 1, "minute": 42}
